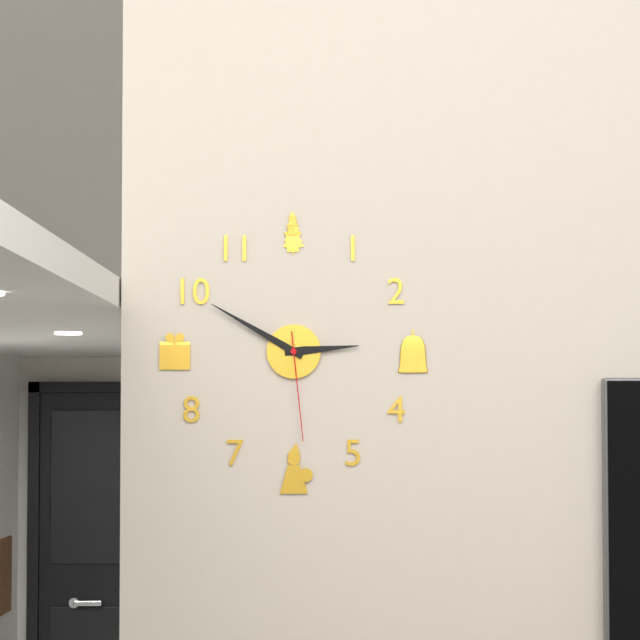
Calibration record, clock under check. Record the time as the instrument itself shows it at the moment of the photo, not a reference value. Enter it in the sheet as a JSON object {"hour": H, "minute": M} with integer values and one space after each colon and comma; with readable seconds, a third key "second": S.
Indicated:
{"hour": 2, "minute": 50, "second": 29}
